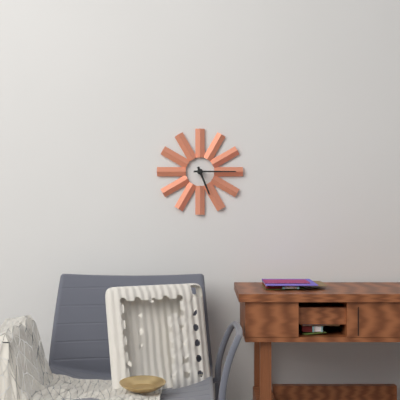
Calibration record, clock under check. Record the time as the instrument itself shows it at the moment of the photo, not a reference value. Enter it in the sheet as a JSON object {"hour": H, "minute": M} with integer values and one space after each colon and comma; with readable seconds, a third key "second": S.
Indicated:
{"hour": 5, "minute": 15}
